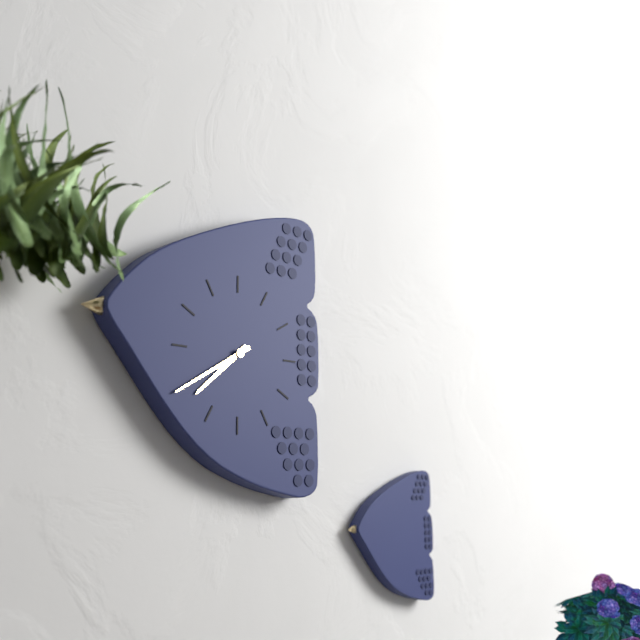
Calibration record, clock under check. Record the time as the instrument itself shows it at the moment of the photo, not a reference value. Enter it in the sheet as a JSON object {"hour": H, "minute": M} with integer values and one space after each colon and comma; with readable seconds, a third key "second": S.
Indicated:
{"hour": 7, "minute": 40}
